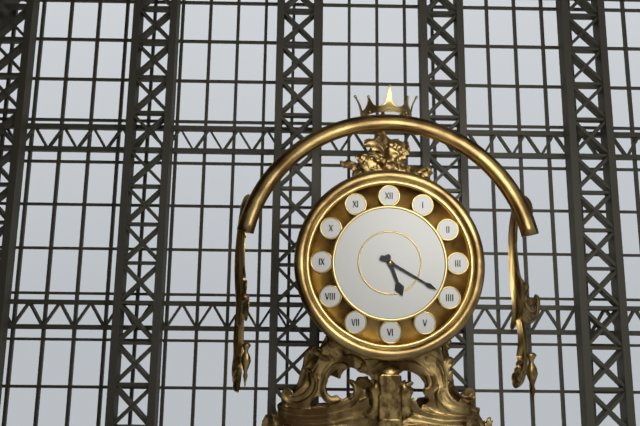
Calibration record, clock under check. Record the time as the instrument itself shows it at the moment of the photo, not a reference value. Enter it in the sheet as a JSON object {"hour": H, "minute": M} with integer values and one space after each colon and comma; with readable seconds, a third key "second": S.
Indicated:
{"hour": 5, "minute": 20}
